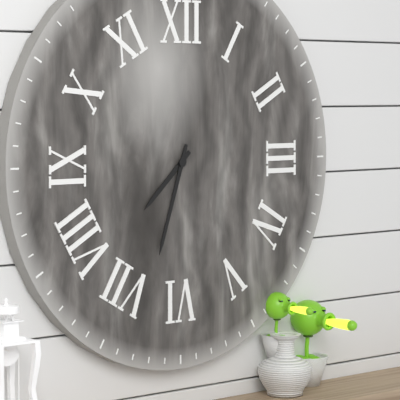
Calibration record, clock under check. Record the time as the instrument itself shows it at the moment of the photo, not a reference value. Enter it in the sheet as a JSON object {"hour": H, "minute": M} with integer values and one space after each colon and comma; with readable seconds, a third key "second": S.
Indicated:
{"hour": 7, "minute": 33}
